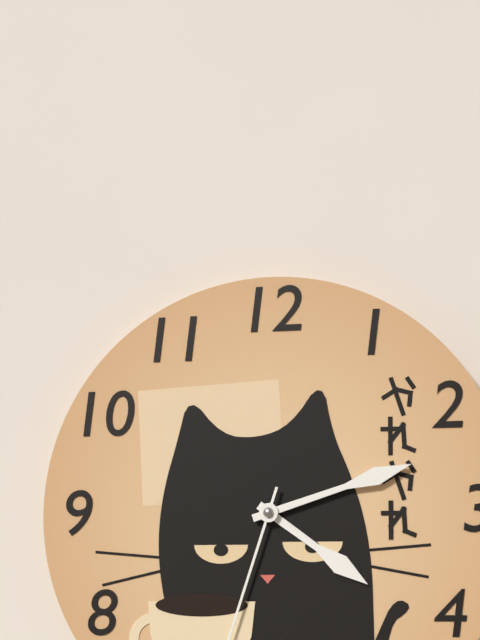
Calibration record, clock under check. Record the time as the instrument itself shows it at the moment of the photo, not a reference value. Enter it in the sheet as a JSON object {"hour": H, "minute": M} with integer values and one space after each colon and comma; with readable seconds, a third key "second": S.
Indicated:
{"hour": 4, "minute": 12}
